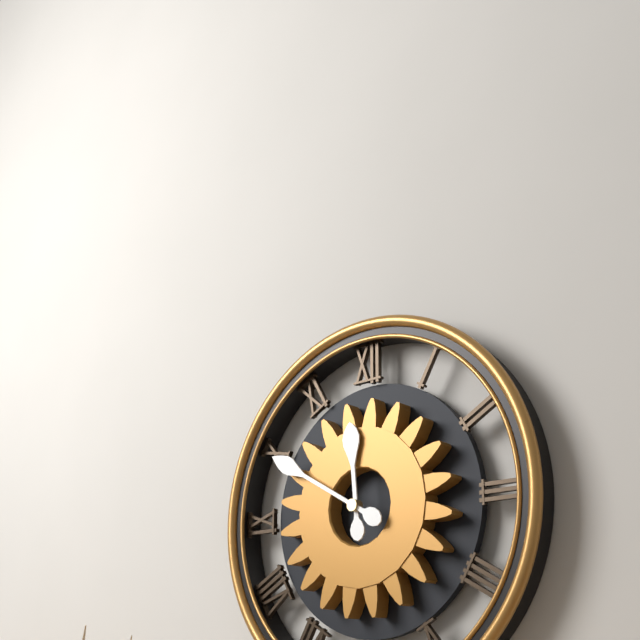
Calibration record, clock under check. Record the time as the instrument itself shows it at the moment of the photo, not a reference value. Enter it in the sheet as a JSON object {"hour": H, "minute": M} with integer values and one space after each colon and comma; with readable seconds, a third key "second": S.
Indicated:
{"hour": 11, "minute": 50}
